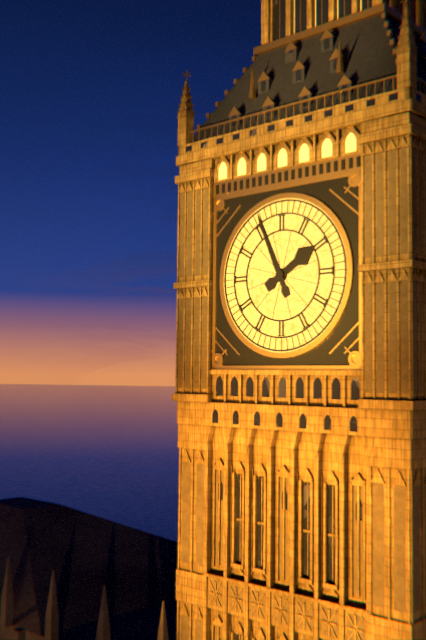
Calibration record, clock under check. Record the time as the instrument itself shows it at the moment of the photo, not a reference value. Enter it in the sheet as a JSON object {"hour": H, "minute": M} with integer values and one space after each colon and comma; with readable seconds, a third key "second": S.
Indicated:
{"hour": 1, "minute": 56}
